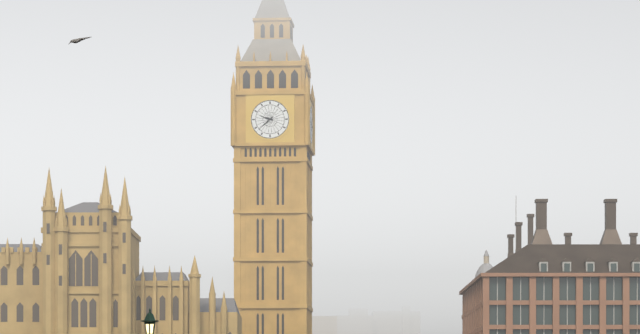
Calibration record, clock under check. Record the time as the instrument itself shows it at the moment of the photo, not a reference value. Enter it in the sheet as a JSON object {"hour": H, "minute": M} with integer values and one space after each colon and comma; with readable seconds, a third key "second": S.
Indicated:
{"hour": 9, "minute": 38}
